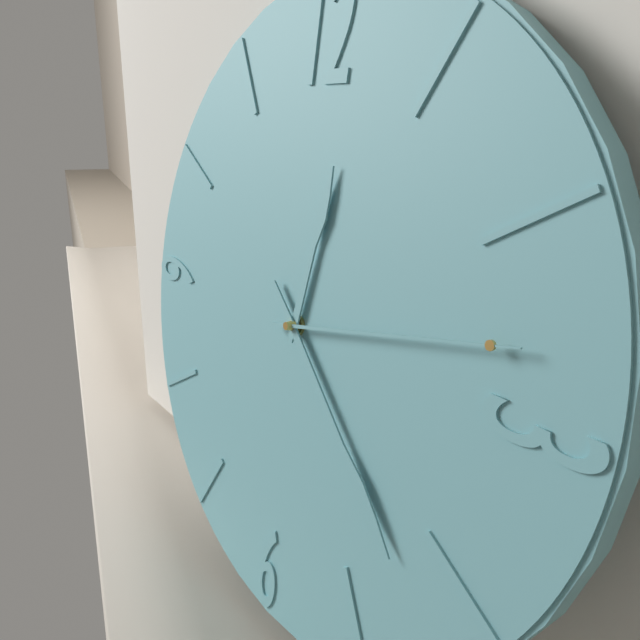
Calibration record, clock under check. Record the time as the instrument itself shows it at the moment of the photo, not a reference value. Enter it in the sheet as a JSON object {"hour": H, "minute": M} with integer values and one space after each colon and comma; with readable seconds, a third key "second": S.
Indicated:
{"hour": 12, "minute": 22, "second": 13}
